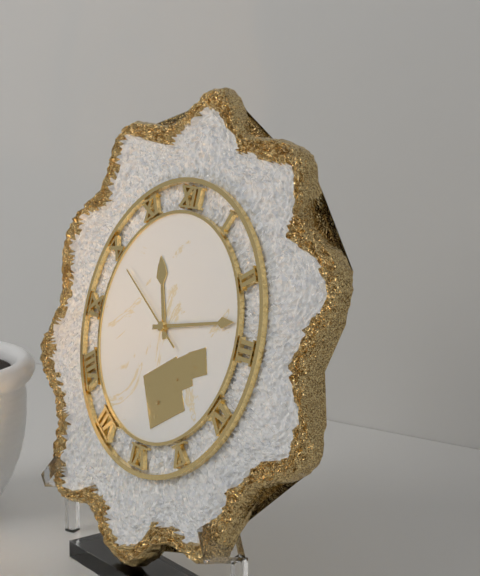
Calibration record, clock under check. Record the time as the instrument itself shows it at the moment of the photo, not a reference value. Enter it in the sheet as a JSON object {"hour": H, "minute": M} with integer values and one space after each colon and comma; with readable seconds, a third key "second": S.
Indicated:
{"hour": 11, "minute": 13, "second": 50}
